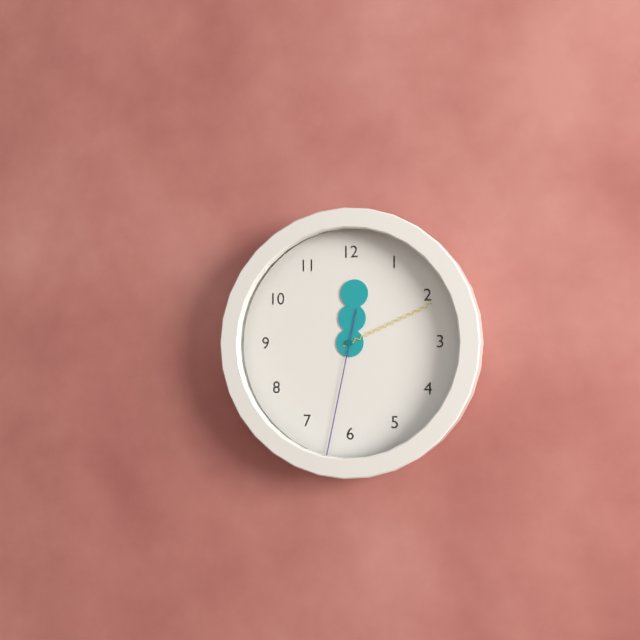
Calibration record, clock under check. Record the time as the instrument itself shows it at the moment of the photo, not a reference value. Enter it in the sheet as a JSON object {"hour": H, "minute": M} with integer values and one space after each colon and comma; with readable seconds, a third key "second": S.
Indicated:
{"hour": 12, "minute": 11, "second": 32}
